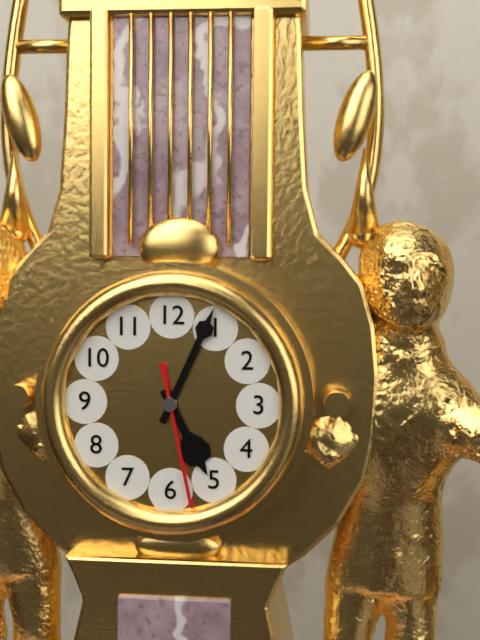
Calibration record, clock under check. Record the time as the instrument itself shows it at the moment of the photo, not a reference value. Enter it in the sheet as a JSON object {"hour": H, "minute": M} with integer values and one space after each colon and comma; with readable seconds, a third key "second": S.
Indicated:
{"hour": 5, "minute": 4, "second": 28}
